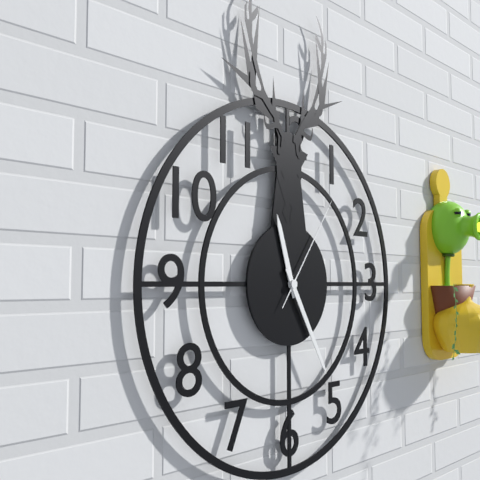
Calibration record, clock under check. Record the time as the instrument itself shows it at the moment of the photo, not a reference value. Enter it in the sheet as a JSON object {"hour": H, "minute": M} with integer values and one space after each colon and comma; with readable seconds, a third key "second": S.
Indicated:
{"hour": 11, "minute": 25, "second": 6}
